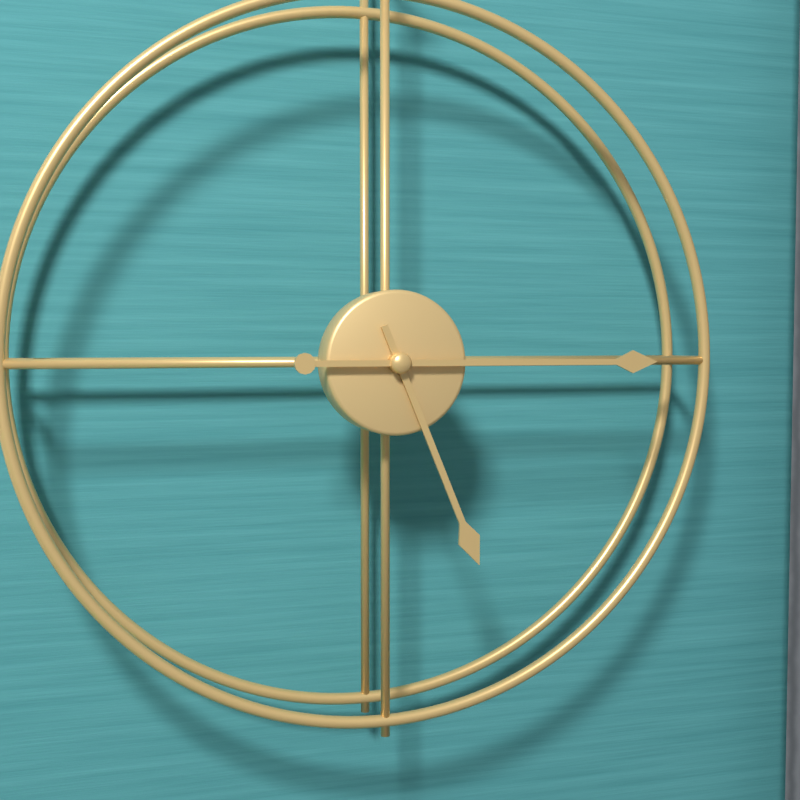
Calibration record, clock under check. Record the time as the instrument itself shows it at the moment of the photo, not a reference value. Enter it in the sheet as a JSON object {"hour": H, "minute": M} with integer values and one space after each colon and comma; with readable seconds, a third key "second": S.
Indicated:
{"hour": 5, "minute": 15}
